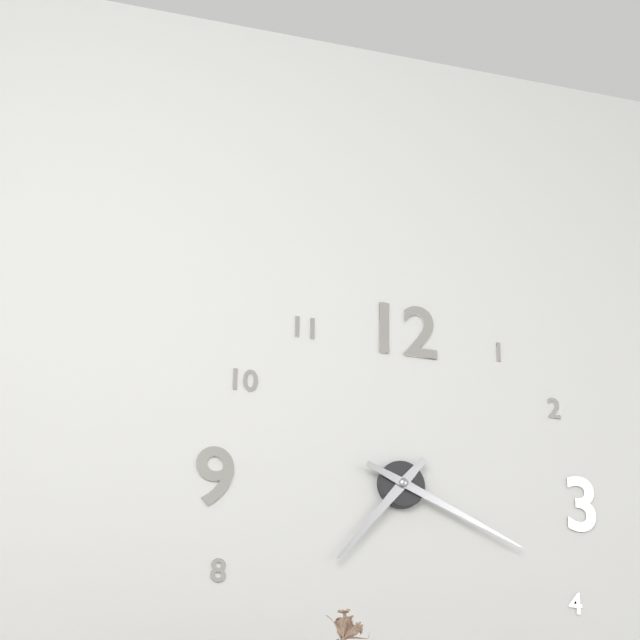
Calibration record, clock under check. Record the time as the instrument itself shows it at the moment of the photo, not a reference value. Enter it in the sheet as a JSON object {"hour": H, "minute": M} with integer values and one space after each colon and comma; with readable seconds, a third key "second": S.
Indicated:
{"hour": 7, "minute": 19}
